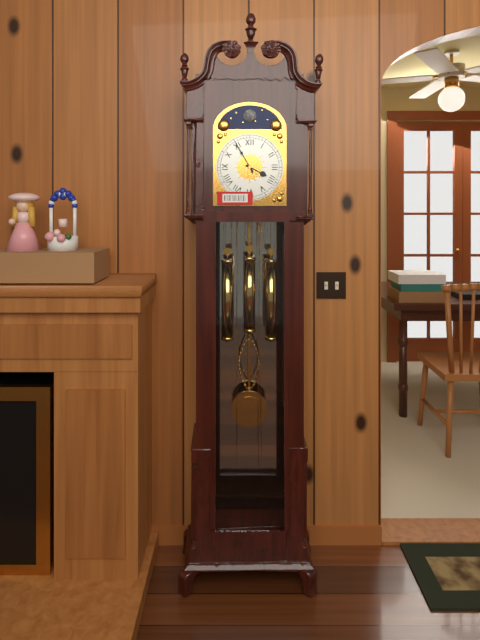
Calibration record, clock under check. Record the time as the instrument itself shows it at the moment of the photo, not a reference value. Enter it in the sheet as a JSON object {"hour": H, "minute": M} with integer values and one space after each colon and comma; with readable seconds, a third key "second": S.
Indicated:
{"hour": 3, "minute": 55}
